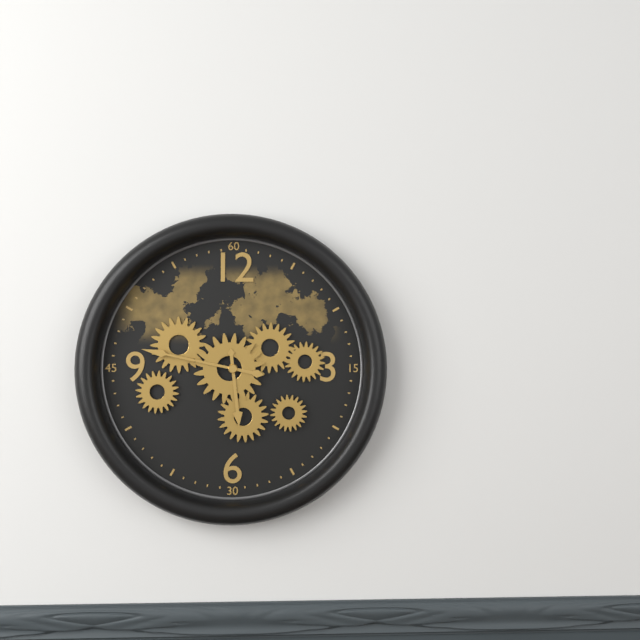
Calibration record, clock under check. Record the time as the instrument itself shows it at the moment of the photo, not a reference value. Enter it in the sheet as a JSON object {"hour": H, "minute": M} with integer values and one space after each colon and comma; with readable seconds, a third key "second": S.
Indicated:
{"hour": 5, "minute": 47}
